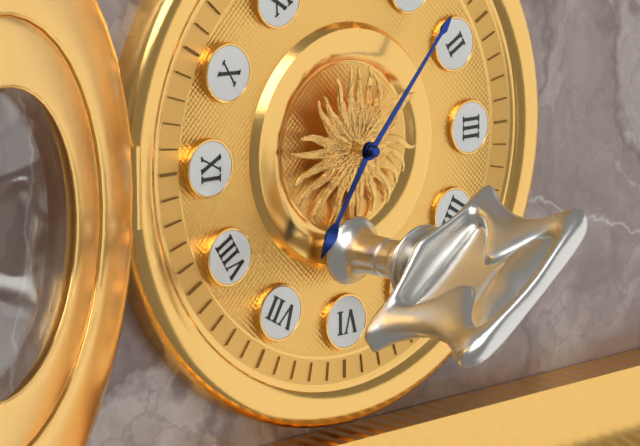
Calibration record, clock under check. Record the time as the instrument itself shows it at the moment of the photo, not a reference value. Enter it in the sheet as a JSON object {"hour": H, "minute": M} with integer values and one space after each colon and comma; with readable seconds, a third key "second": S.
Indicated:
{"hour": 7, "minute": 7}
